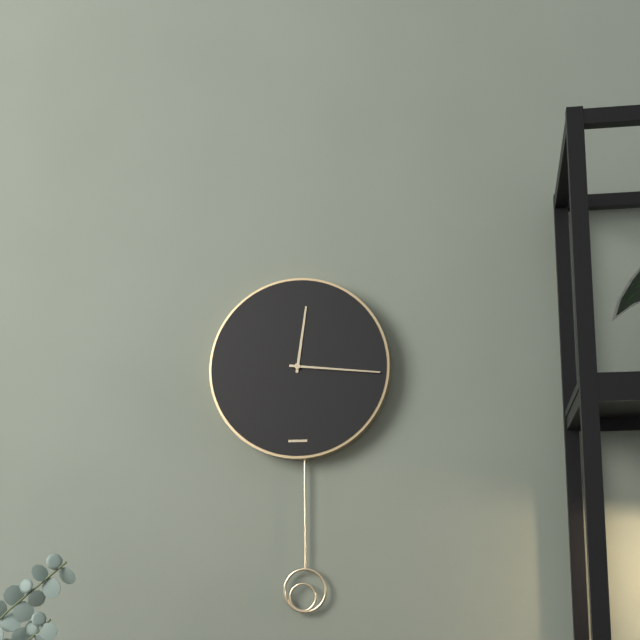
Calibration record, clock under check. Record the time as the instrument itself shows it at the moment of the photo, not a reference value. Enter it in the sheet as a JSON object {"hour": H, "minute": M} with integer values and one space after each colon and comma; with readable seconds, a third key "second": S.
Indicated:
{"hour": 12, "minute": 16}
